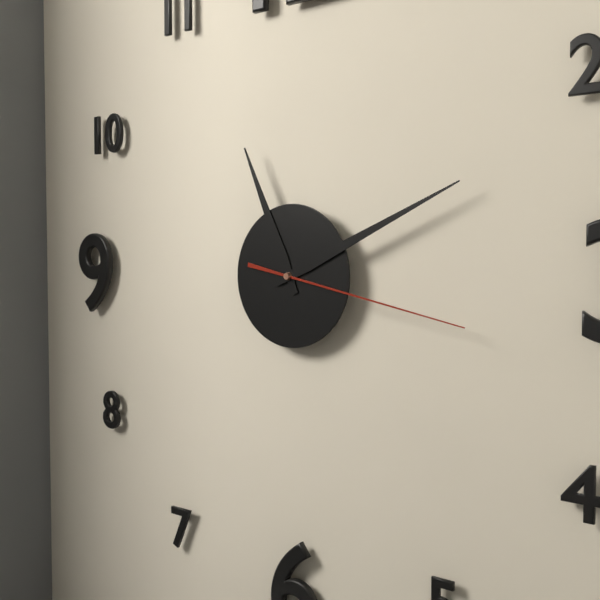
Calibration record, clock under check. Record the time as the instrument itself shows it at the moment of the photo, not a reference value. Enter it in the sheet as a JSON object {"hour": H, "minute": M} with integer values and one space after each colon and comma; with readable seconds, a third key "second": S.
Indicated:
{"hour": 11, "minute": 11, "second": 17}
